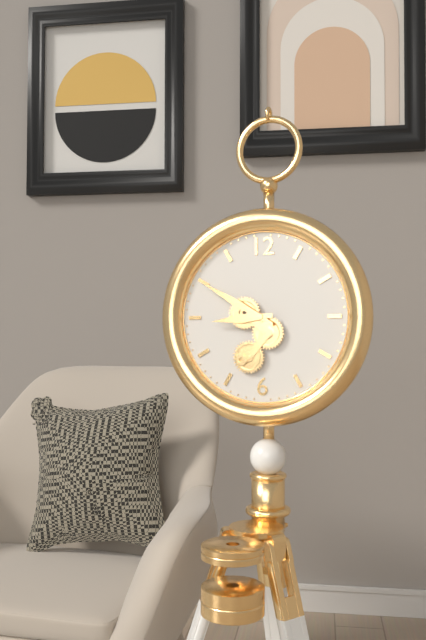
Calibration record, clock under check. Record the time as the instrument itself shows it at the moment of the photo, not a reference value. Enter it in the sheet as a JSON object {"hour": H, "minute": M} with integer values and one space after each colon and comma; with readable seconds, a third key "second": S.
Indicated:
{"hour": 8, "minute": 50}
